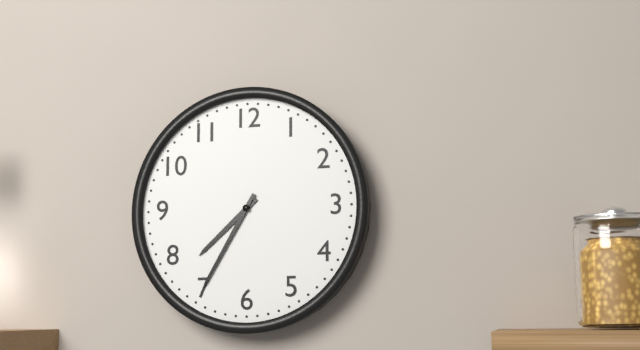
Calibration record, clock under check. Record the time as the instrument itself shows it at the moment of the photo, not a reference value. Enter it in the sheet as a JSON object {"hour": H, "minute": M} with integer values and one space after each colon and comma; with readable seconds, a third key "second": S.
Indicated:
{"hour": 7, "minute": 35}
